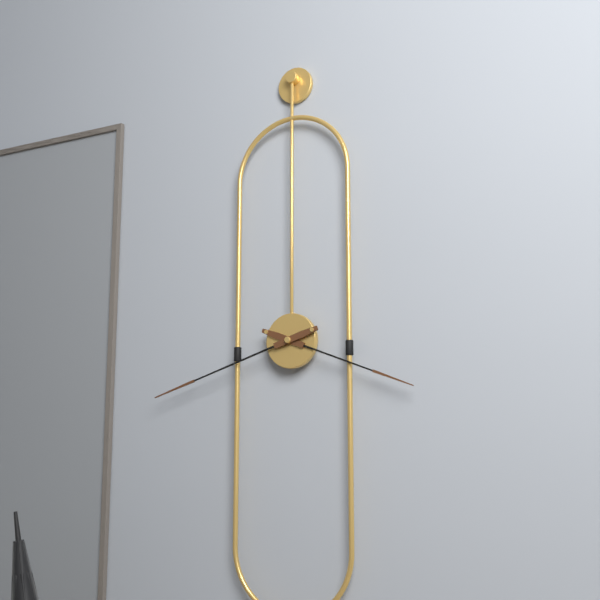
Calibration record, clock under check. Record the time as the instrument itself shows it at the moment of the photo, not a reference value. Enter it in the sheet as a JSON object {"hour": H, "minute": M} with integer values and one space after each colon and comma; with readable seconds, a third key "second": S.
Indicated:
{"hour": 3, "minute": 42}
